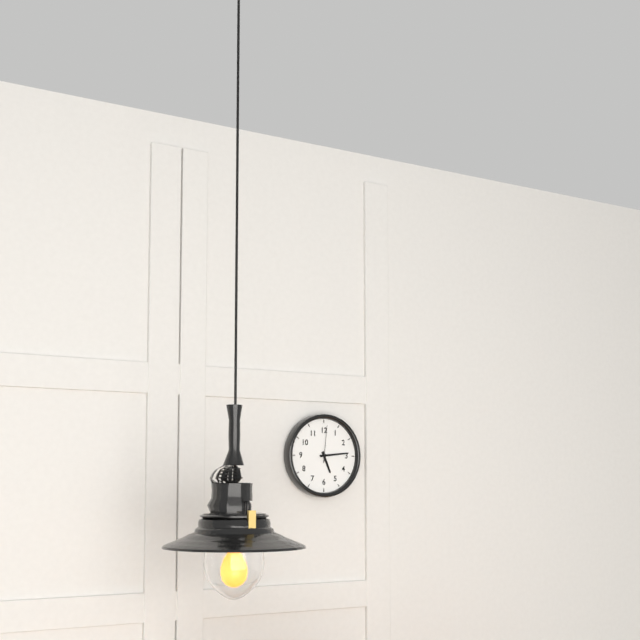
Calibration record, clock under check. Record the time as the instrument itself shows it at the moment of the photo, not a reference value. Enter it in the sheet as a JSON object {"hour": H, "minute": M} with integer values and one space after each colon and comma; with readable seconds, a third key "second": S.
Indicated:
{"hour": 5, "minute": 14}
